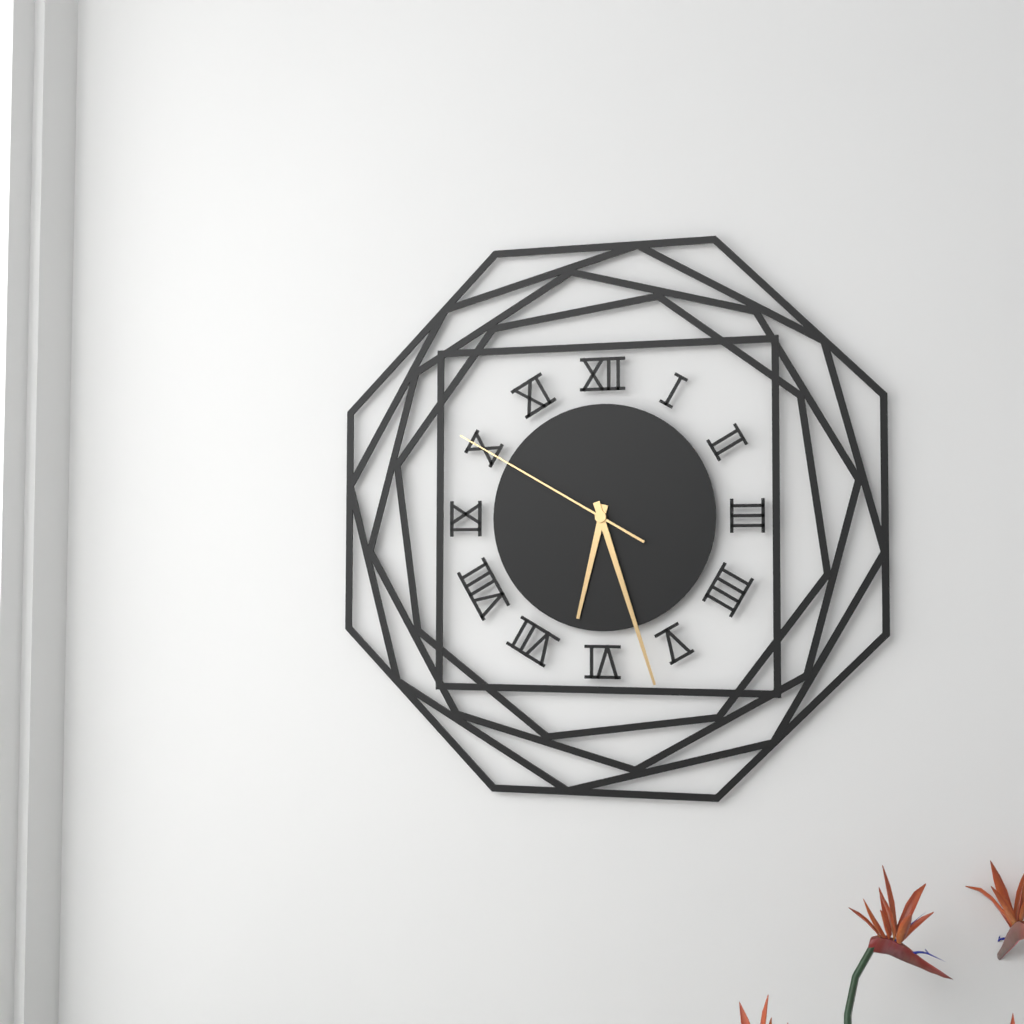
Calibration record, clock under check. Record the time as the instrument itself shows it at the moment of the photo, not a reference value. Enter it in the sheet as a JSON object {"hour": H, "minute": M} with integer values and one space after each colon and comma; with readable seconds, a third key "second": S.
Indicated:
{"hour": 6, "minute": 27, "second": 50}
